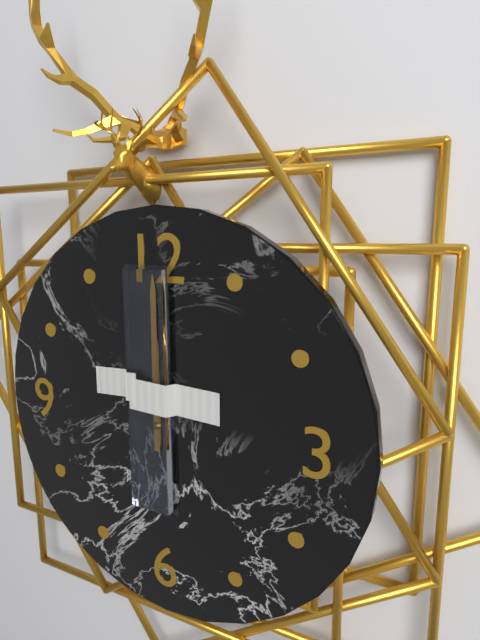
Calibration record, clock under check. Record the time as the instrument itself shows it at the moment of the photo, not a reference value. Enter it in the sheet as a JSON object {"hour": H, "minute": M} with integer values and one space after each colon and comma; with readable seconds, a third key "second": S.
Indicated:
{"hour": 12, "minute": 0}
